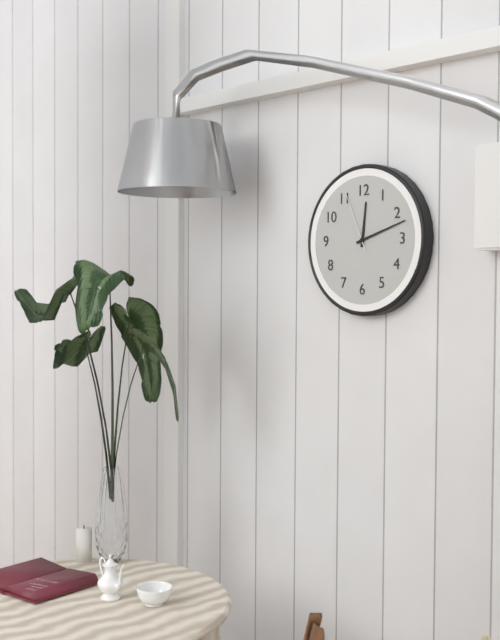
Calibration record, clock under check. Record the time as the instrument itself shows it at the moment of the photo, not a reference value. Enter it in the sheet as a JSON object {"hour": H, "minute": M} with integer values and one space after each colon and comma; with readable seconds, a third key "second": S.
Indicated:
{"hour": 12, "minute": 12, "second": 56}
